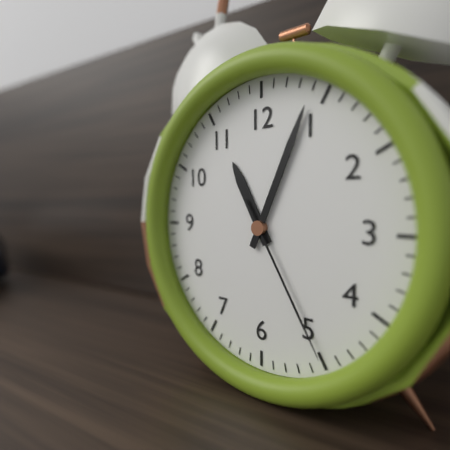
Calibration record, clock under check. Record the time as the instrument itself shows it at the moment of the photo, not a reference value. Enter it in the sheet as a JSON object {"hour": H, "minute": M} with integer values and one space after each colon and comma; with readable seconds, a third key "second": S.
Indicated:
{"hour": 11, "minute": 4, "second": 25}
